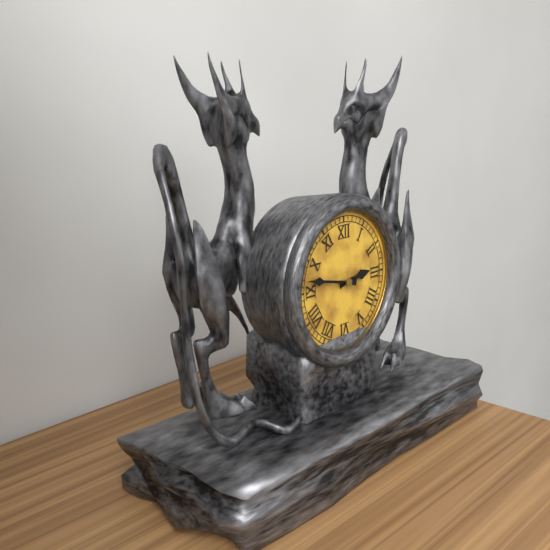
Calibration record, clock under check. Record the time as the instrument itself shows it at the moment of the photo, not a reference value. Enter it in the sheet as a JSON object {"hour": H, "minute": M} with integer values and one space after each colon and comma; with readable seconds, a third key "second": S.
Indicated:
{"hour": 2, "minute": 47}
